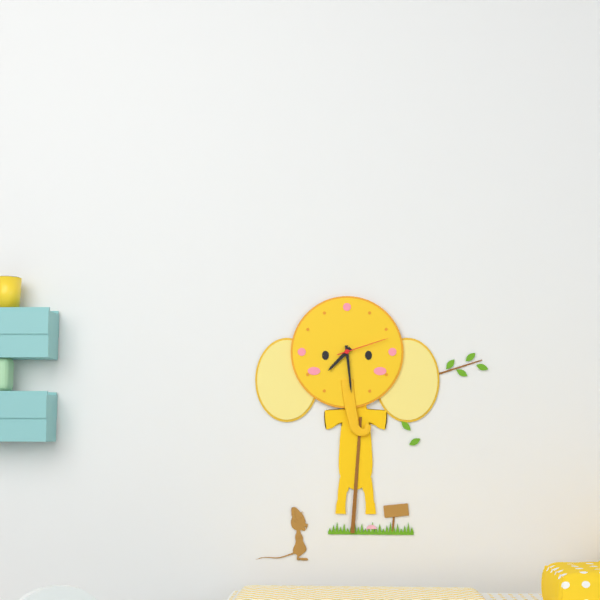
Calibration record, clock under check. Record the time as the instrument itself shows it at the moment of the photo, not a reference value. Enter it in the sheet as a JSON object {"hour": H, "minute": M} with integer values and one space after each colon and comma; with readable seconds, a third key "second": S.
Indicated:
{"hour": 7, "minute": 29, "second": 12}
